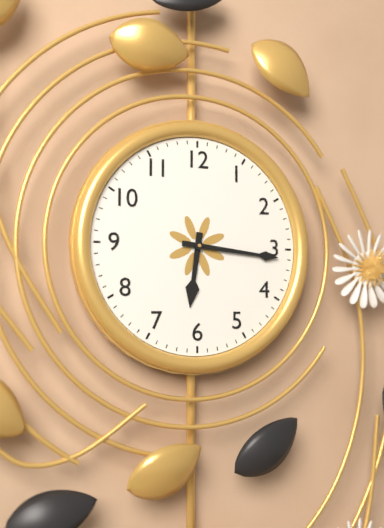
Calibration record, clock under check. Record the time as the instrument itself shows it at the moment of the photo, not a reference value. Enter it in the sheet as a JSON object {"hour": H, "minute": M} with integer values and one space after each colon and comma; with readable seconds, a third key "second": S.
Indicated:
{"hour": 6, "minute": 16}
